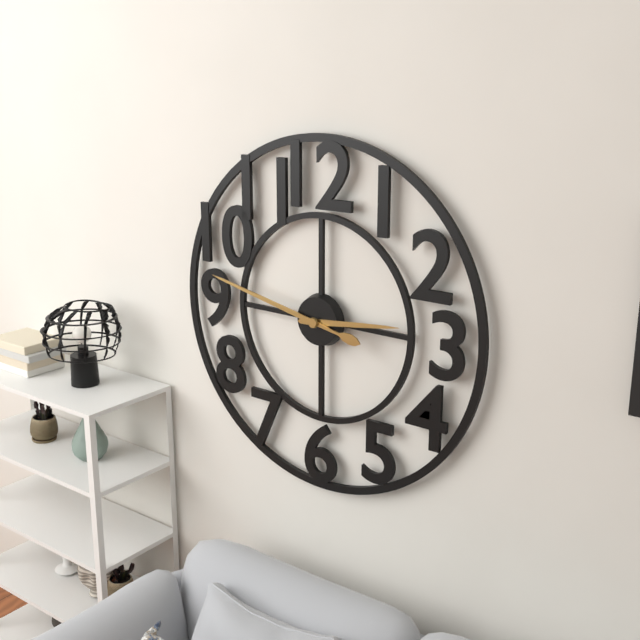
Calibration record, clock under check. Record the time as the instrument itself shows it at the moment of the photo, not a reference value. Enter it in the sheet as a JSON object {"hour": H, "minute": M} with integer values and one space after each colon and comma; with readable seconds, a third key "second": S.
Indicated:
{"hour": 2, "minute": 47}
